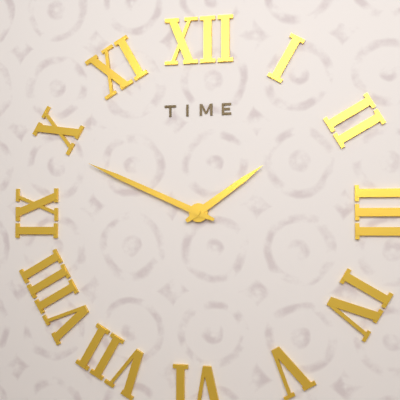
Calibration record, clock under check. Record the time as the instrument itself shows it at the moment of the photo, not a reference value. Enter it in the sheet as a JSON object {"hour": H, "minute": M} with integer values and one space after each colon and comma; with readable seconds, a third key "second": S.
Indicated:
{"hour": 1, "minute": 49}
